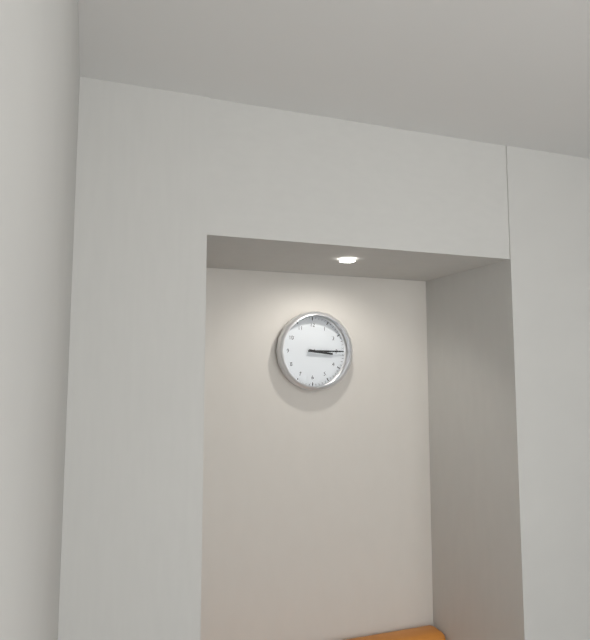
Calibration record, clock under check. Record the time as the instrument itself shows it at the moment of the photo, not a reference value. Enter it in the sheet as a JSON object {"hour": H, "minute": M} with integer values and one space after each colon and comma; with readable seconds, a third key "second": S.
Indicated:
{"hour": 3, "minute": 15}
